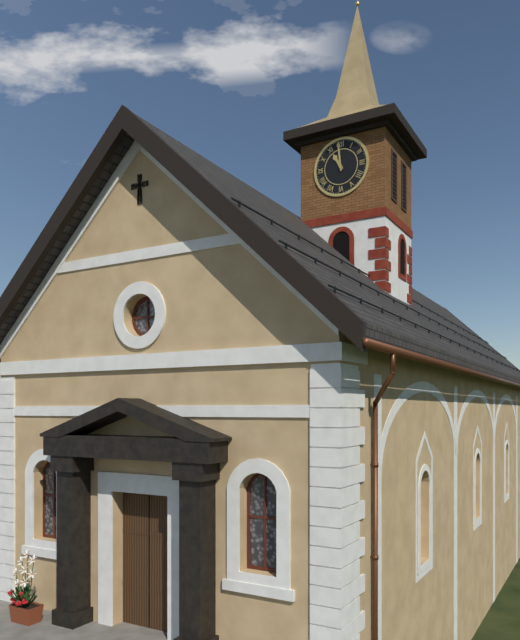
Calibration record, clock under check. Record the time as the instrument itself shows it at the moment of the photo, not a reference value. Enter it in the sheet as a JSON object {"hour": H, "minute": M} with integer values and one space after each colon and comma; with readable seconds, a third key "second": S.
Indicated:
{"hour": 10, "minute": 59}
